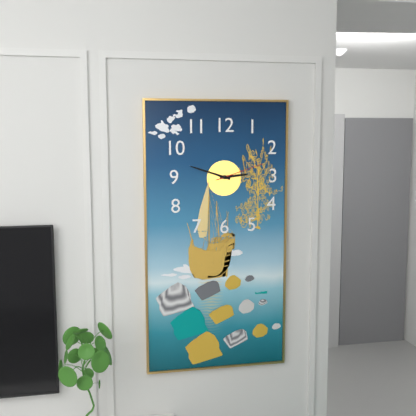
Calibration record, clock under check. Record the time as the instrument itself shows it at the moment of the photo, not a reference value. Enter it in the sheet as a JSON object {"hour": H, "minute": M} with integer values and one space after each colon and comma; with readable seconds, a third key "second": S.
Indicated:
{"hour": 2, "minute": 48, "second": 12}
